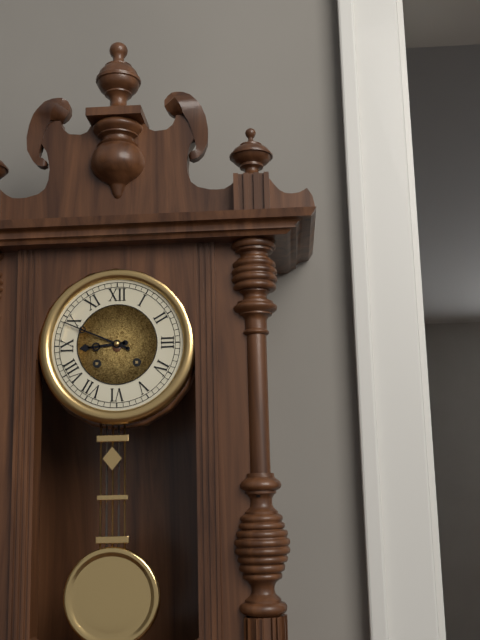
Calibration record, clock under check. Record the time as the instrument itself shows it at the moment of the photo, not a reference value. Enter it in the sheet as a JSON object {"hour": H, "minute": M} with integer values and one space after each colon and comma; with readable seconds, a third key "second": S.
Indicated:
{"hour": 8, "minute": 49}
